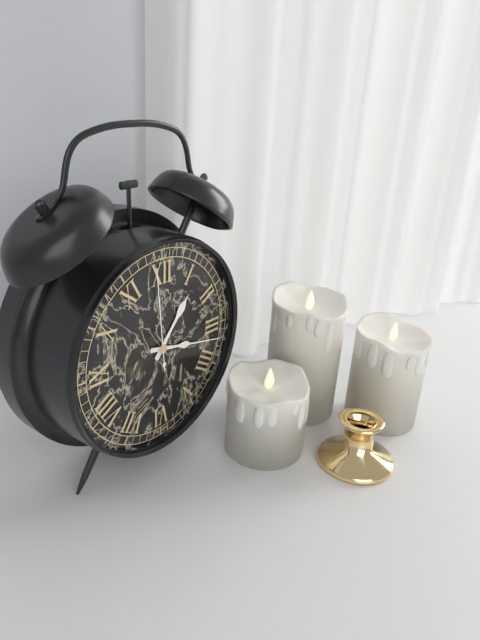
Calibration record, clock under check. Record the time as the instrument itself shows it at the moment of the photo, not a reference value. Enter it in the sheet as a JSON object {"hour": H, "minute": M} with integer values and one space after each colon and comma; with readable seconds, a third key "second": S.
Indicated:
{"hour": 1, "minute": 17, "second": 59}
